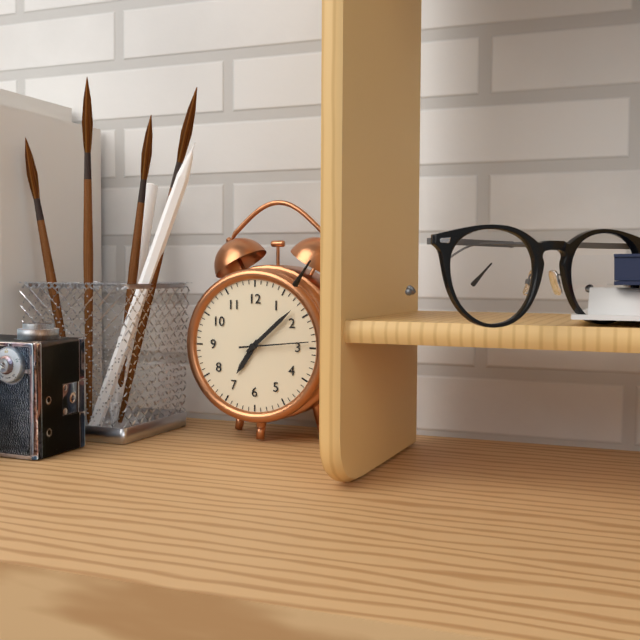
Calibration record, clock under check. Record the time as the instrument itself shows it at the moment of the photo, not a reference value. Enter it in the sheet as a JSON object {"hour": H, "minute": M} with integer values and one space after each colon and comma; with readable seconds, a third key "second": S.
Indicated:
{"hour": 7, "minute": 8, "second": 14}
